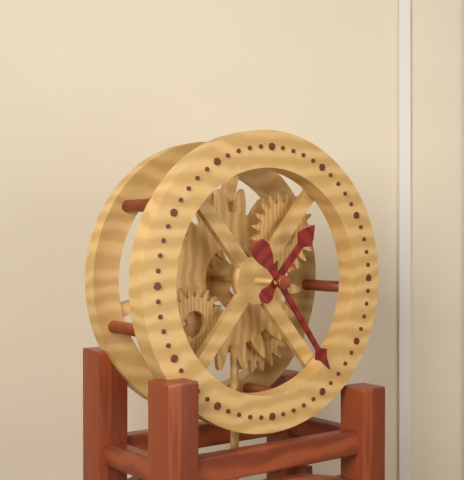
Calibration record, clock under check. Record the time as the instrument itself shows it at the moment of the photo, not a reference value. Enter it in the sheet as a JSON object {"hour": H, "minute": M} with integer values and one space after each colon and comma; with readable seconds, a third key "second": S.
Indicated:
{"hour": 1, "minute": 24}
